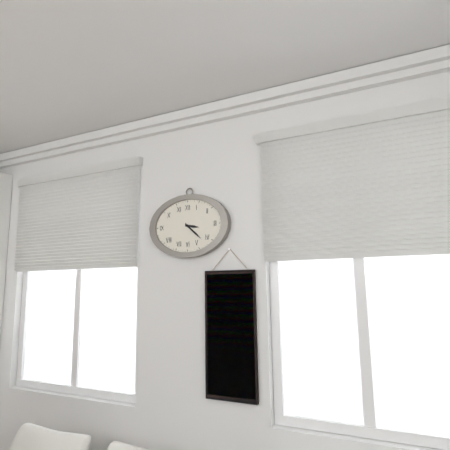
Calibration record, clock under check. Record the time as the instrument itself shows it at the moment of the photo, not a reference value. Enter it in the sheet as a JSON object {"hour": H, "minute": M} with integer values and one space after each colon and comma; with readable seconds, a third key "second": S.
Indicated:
{"hour": 3, "minute": 22}
